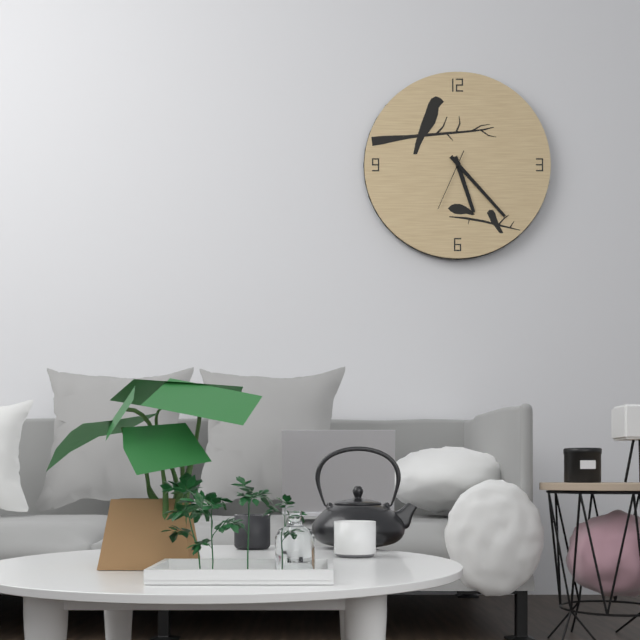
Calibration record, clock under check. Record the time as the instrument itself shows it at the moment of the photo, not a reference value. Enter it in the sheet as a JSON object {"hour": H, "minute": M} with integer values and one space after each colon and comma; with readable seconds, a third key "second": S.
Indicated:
{"hour": 5, "minute": 23, "second": 34}
